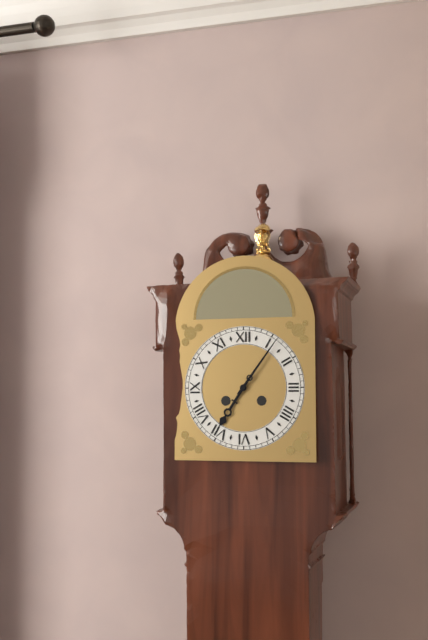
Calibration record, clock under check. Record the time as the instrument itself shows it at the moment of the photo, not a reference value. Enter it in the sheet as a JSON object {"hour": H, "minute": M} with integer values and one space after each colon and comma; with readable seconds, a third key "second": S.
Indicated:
{"hour": 7, "minute": 6}
